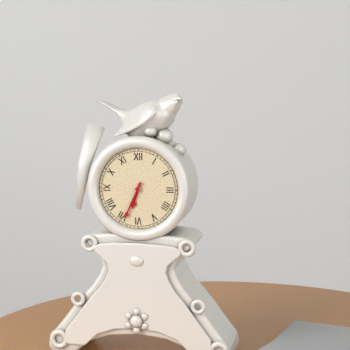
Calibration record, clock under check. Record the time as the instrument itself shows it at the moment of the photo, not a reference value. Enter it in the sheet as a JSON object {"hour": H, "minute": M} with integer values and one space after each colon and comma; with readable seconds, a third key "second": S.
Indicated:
{"hour": 6, "minute": 34}
